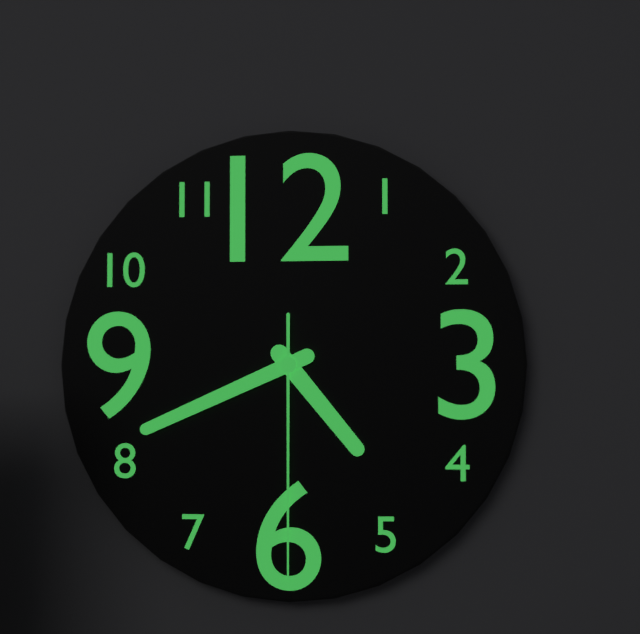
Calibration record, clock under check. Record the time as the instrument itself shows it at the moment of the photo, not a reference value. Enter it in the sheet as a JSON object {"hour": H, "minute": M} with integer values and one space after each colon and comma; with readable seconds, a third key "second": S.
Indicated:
{"hour": 4, "minute": 41, "second": 30}
